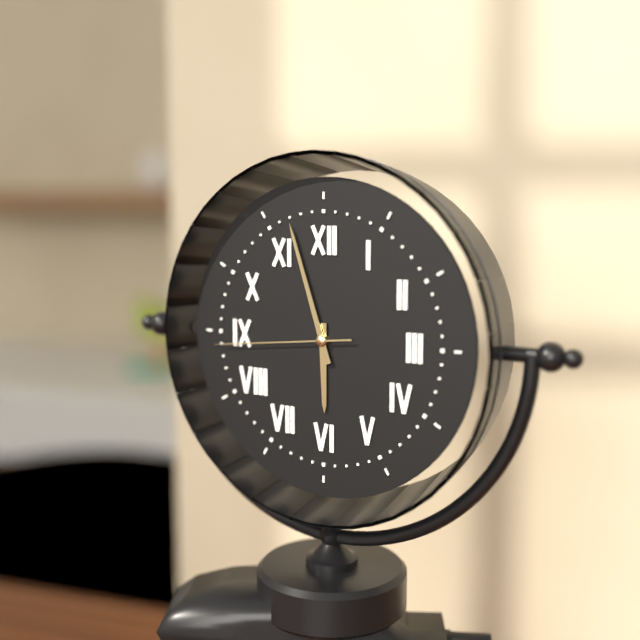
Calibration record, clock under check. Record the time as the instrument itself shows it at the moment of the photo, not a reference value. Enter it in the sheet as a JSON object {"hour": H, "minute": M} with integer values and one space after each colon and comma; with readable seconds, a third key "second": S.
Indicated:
{"hour": 5, "minute": 57, "second": 44}
